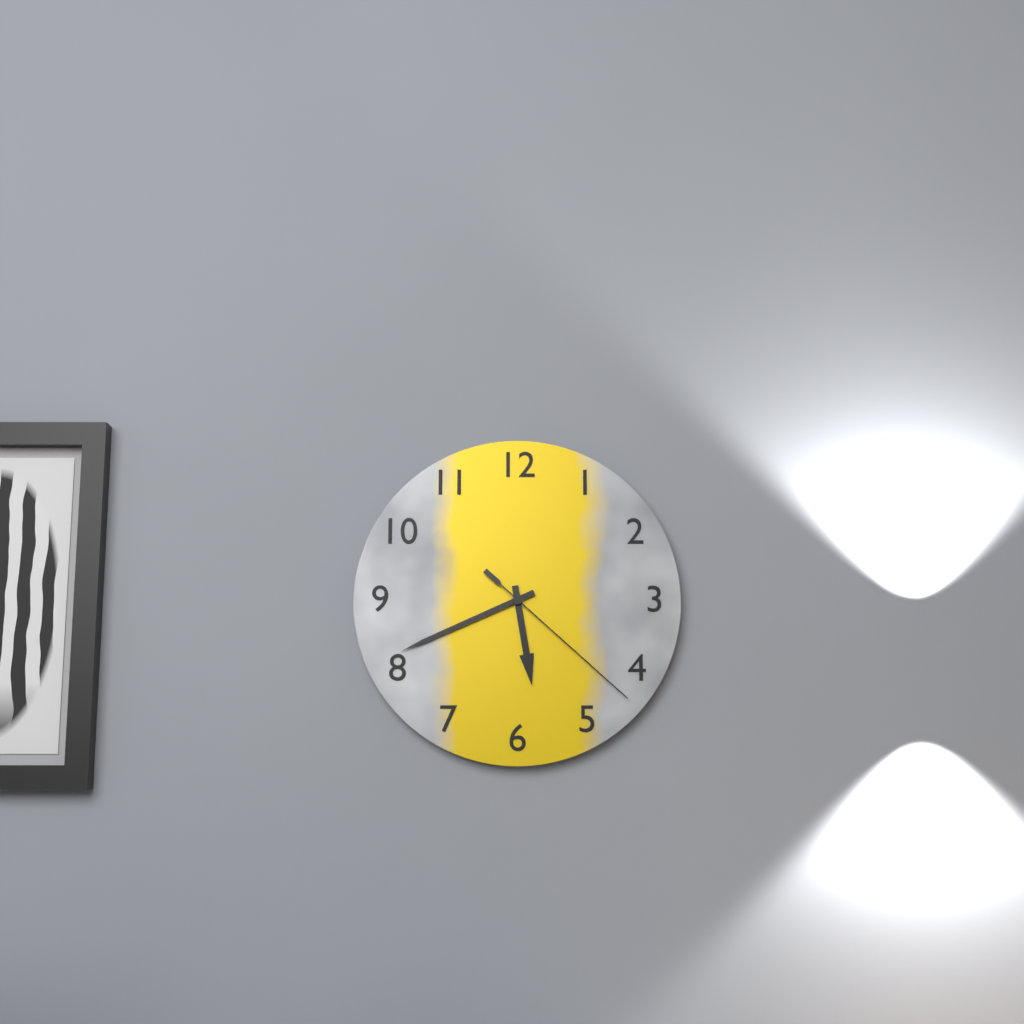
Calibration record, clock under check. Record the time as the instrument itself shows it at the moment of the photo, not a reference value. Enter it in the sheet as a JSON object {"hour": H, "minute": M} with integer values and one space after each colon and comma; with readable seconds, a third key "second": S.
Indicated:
{"hour": 5, "minute": 41, "second": 22}
